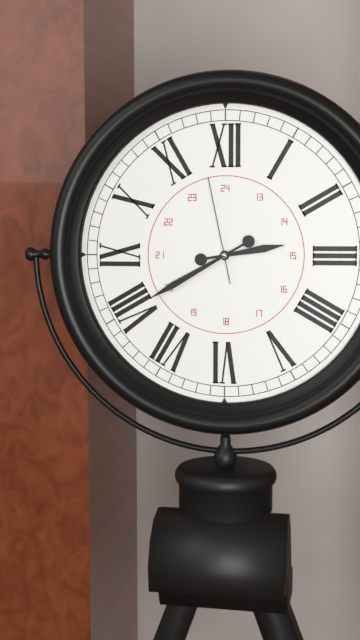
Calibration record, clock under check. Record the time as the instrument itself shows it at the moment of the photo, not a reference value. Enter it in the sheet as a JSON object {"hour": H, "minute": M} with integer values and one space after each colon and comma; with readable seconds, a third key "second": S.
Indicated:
{"hour": 2, "minute": 40, "second": 58}
